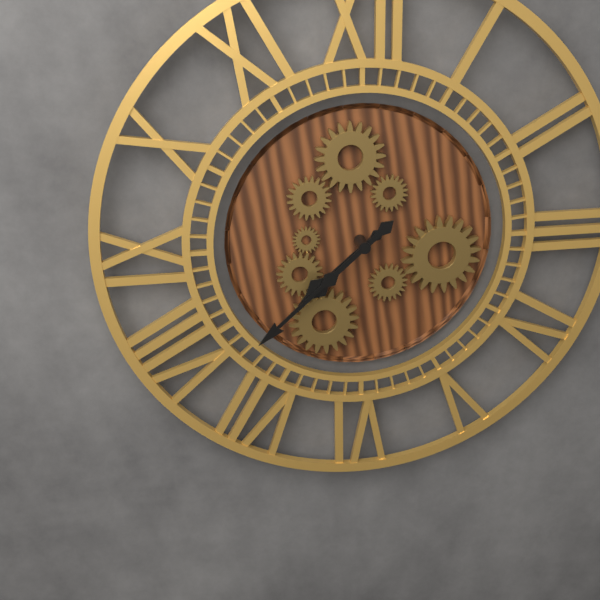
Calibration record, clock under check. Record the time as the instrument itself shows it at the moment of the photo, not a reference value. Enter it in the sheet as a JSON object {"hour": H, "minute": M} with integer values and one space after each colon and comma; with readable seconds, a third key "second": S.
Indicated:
{"hour": 7, "minute": 38}
